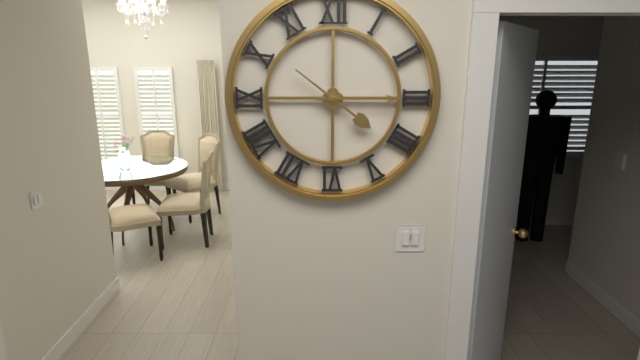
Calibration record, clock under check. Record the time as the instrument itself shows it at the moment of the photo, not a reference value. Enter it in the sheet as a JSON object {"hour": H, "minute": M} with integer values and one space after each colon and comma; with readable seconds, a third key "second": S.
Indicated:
{"hour": 4, "minute": 15}
